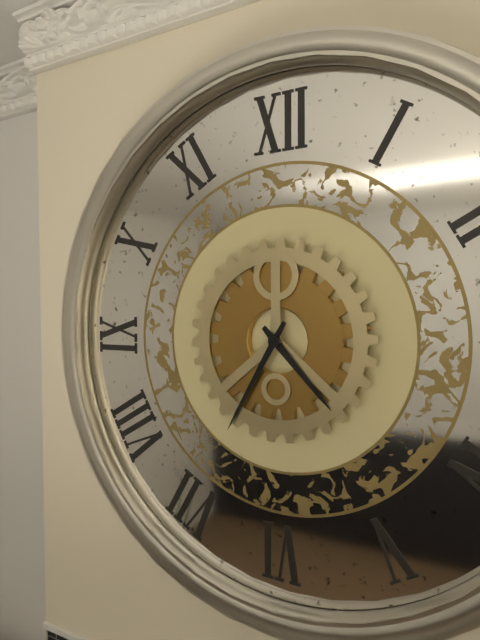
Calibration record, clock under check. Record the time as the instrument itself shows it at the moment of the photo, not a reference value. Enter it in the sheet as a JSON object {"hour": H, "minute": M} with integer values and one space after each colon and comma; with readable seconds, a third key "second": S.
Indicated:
{"hour": 4, "minute": 35}
